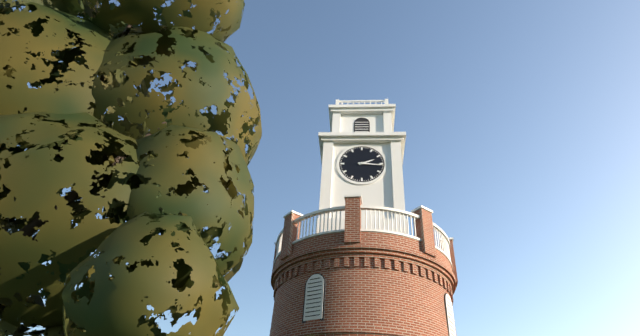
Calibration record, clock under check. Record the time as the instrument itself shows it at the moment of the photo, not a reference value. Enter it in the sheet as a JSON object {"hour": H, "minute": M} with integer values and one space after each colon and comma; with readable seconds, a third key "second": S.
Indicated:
{"hour": 2, "minute": 16}
